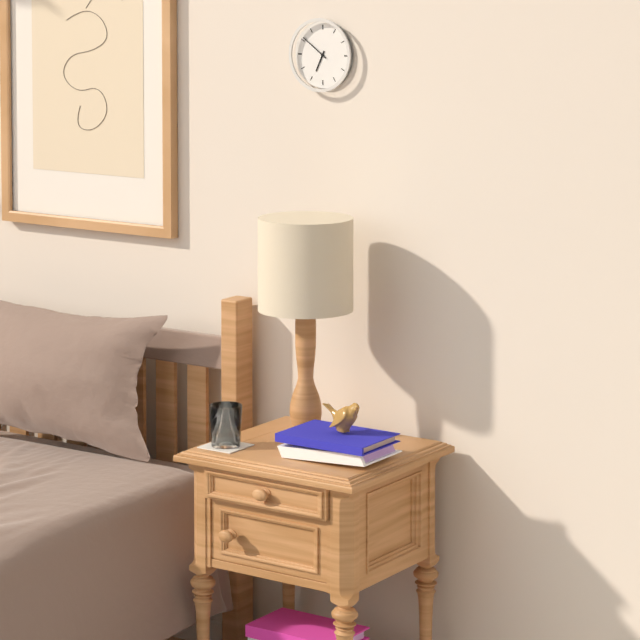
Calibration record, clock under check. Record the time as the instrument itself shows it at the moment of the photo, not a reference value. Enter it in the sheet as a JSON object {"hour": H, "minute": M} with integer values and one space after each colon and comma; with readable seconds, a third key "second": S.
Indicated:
{"hour": 6, "minute": 51}
